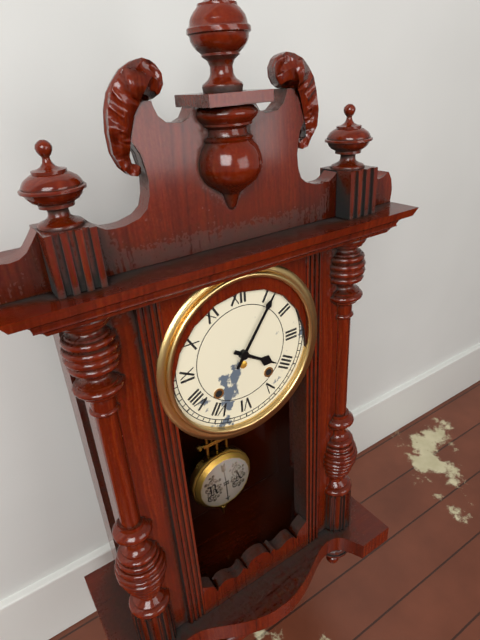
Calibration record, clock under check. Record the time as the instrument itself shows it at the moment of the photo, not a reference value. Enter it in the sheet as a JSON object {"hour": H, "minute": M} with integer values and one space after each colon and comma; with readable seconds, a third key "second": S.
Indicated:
{"hour": 4, "minute": 6}
